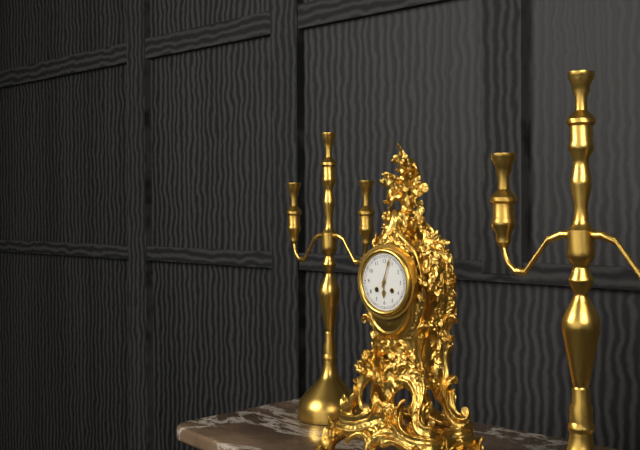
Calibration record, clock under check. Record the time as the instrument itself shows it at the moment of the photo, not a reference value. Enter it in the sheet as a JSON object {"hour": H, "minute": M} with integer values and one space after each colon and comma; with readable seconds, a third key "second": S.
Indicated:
{"hour": 6, "minute": 3}
